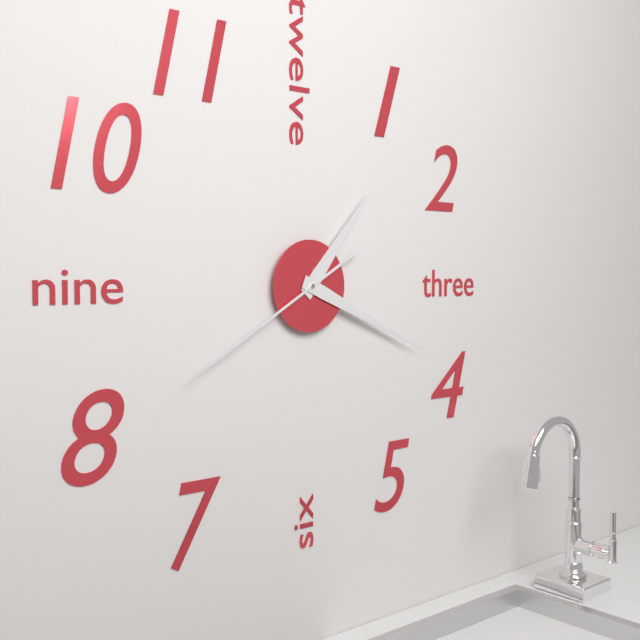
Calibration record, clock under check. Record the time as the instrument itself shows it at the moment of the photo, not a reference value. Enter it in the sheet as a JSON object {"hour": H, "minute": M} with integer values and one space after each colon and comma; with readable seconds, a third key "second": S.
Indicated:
{"hour": 1, "minute": 19, "second": 40}
